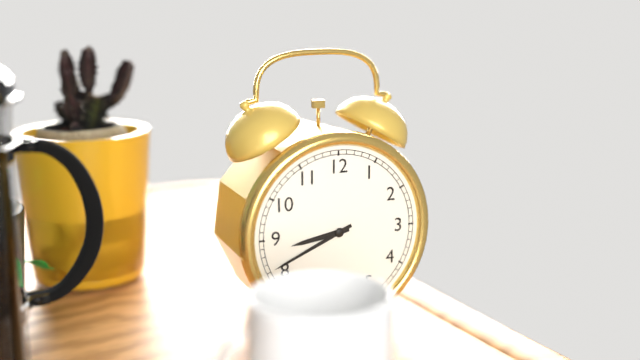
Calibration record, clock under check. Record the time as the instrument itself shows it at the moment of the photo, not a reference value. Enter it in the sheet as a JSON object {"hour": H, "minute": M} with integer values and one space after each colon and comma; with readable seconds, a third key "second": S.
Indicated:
{"hour": 8, "minute": 41}
